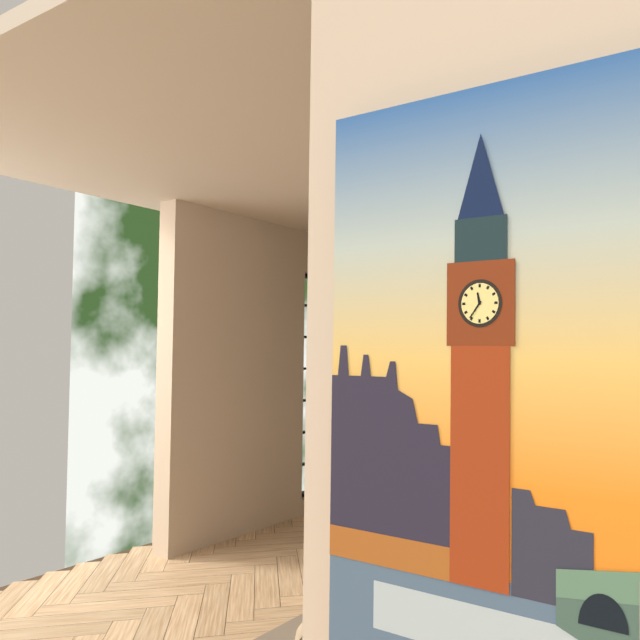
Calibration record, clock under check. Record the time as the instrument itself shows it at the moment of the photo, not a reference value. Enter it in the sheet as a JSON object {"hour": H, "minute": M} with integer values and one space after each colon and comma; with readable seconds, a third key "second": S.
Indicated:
{"hour": 11, "minute": 36}
